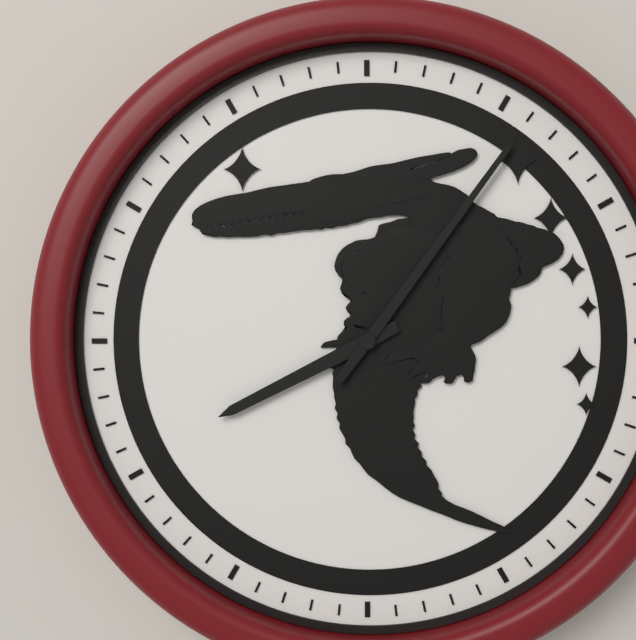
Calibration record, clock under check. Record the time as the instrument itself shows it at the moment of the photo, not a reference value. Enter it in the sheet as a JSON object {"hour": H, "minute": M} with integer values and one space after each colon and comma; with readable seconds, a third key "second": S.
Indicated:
{"hour": 8, "minute": 6}
